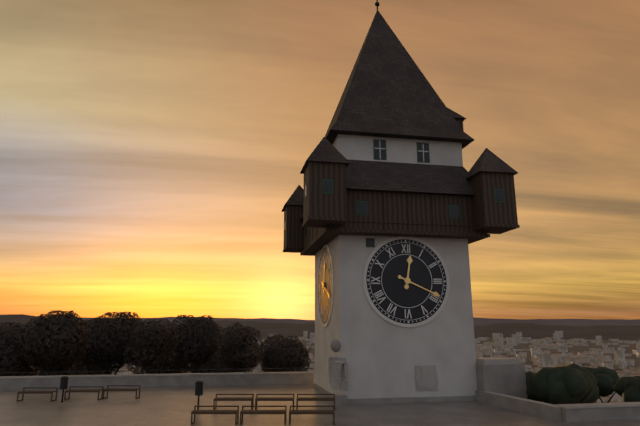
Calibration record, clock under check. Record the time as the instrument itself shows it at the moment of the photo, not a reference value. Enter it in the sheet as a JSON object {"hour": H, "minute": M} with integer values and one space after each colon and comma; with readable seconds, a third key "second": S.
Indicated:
{"hour": 12, "minute": 19}
